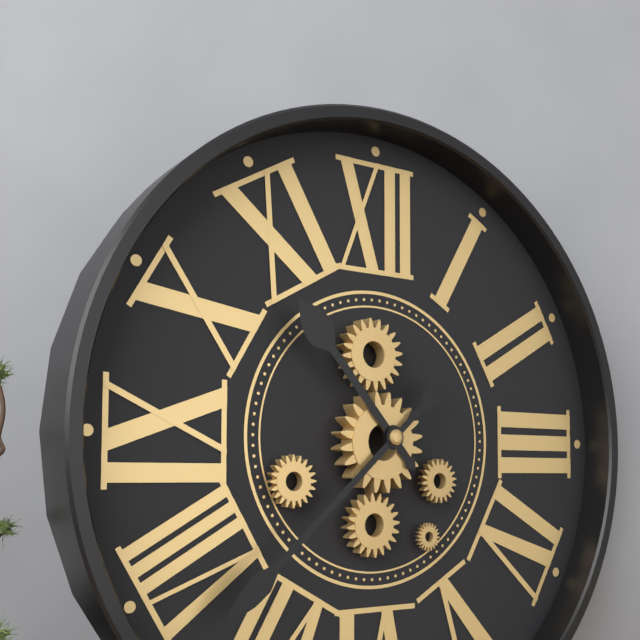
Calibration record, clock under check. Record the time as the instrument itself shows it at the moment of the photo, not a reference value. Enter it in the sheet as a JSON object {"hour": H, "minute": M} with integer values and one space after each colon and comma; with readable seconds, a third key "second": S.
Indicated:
{"hour": 10, "minute": 38}
